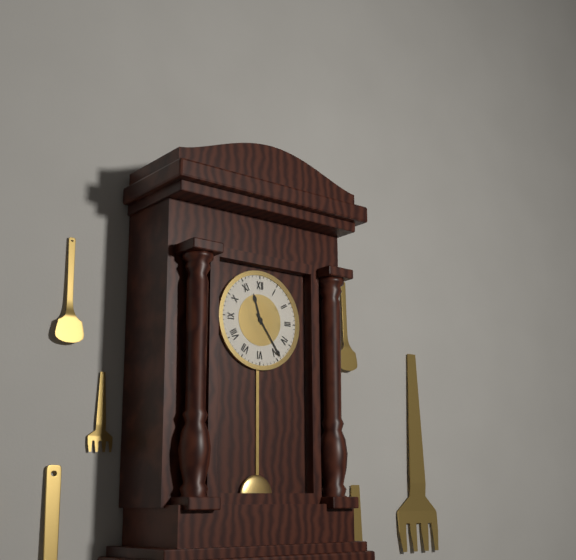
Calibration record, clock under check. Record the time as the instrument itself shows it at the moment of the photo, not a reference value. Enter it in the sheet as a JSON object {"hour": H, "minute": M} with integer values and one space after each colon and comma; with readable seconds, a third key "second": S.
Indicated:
{"hour": 11, "minute": 24}
